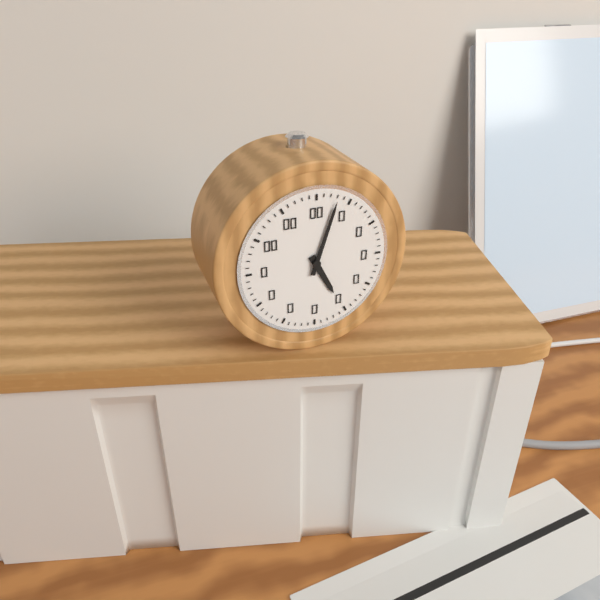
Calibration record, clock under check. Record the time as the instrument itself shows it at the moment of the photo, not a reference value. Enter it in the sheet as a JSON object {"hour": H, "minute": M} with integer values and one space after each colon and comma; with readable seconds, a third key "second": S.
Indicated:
{"hour": 5, "minute": 3}
